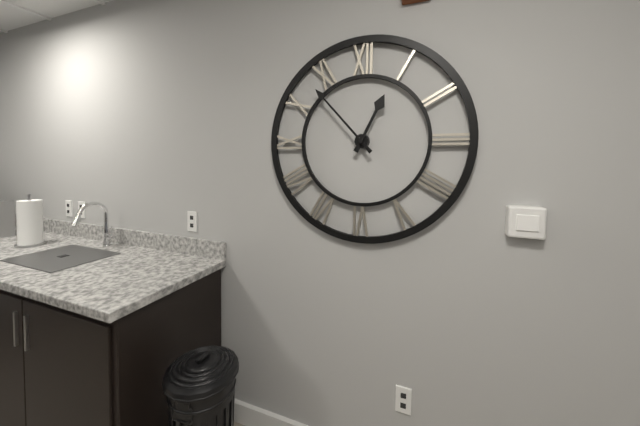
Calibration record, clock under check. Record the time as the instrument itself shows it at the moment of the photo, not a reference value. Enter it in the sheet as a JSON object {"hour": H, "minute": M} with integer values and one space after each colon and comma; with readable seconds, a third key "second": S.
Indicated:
{"hour": 12, "minute": 53}
